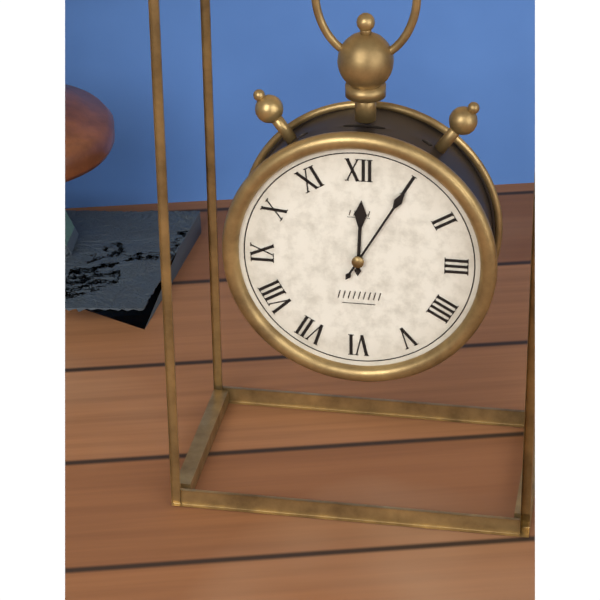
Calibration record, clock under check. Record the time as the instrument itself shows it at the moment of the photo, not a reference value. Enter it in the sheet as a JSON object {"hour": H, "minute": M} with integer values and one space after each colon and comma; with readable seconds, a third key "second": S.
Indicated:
{"hour": 12, "minute": 5}
